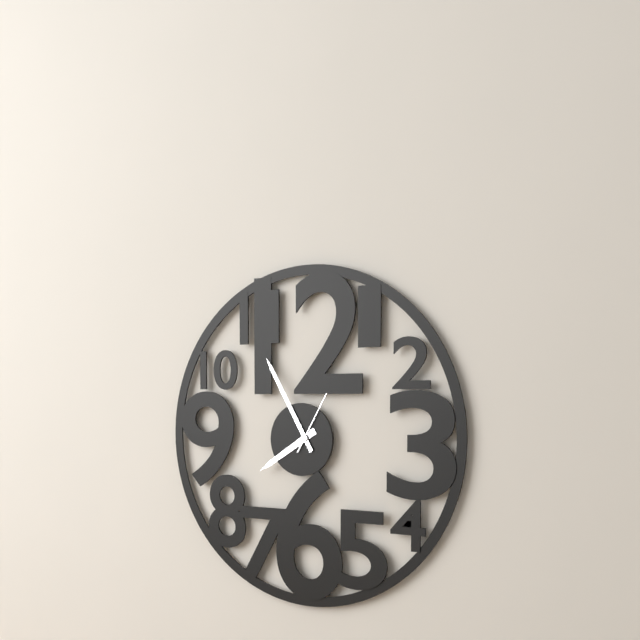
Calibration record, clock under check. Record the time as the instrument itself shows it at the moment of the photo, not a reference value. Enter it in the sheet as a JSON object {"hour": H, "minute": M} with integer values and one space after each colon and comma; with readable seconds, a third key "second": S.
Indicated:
{"hour": 7, "minute": 55, "second": 5}
